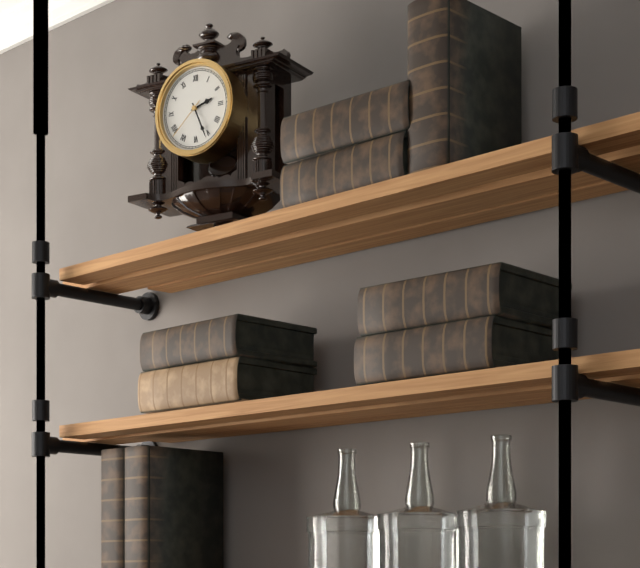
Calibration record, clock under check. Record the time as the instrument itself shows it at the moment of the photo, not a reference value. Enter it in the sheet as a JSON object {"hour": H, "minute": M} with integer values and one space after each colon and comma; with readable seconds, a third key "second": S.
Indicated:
{"hour": 2, "minute": 26}
